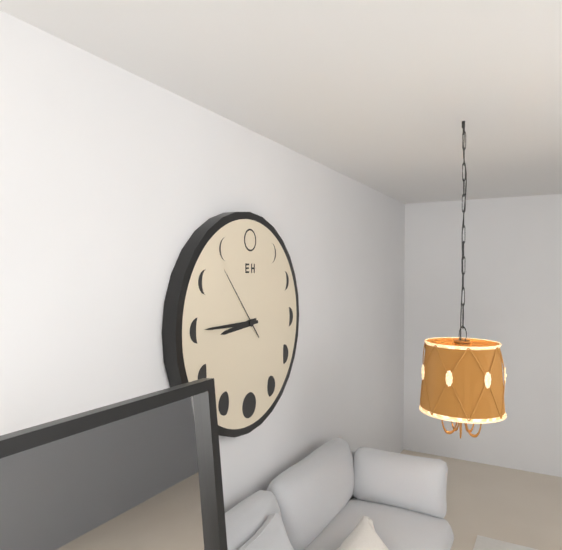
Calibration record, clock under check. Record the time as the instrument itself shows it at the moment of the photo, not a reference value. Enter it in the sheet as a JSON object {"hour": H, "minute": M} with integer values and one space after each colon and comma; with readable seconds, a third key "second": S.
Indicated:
{"hour": 8, "minute": 45, "second": 53}
